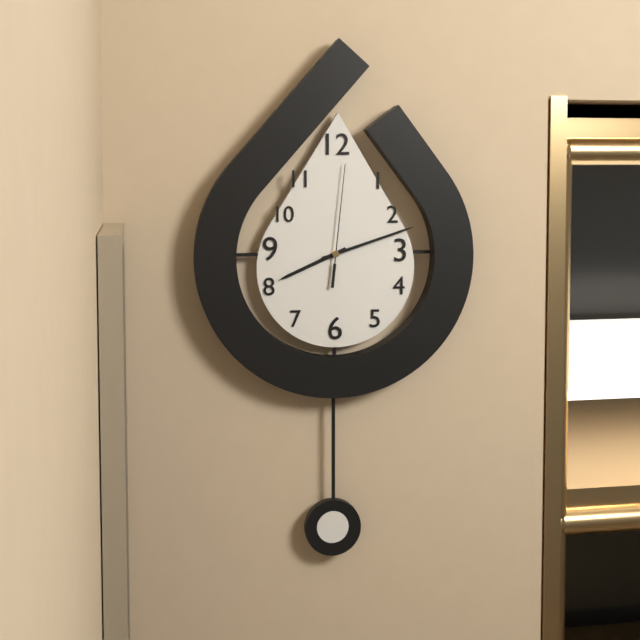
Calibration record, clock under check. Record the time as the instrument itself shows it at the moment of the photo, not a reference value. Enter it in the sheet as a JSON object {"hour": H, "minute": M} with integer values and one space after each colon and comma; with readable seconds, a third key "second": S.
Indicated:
{"hour": 8, "minute": 12, "second": 1}
